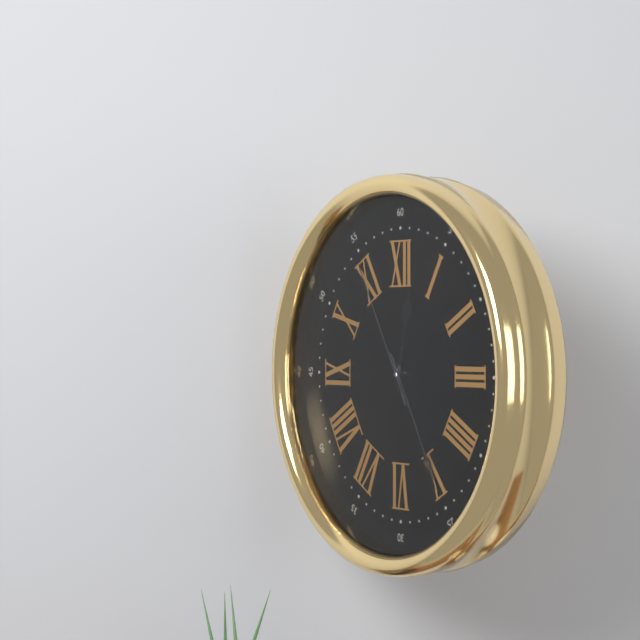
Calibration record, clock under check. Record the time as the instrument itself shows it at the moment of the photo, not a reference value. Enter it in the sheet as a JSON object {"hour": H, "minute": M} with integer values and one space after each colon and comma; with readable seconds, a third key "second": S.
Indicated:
{"hour": 12, "minute": 25, "second": 55}
